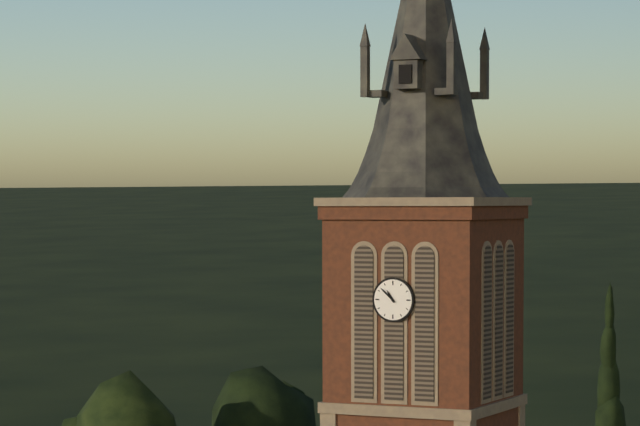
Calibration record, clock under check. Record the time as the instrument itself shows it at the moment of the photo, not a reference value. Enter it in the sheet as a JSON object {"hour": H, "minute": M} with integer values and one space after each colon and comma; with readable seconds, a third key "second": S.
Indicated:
{"hour": 10, "minute": 52}
